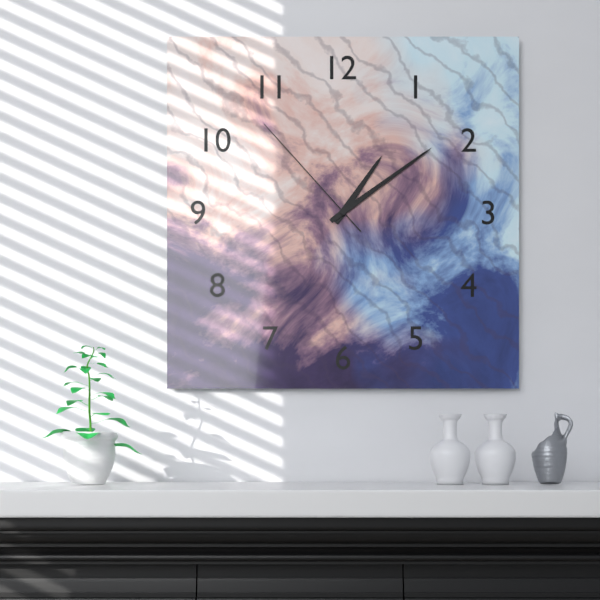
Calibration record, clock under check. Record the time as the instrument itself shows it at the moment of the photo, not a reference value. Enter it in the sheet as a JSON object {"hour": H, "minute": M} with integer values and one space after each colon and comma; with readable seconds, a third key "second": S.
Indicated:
{"hour": 1, "minute": 9, "second": 53}
